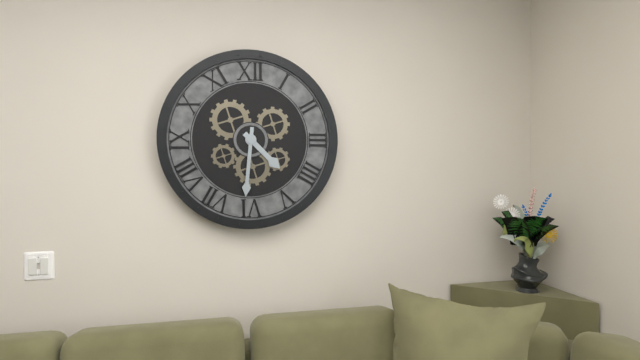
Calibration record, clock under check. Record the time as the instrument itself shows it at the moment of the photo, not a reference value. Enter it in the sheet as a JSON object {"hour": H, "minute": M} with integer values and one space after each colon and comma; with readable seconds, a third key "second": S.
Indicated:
{"hour": 4, "minute": 31}
